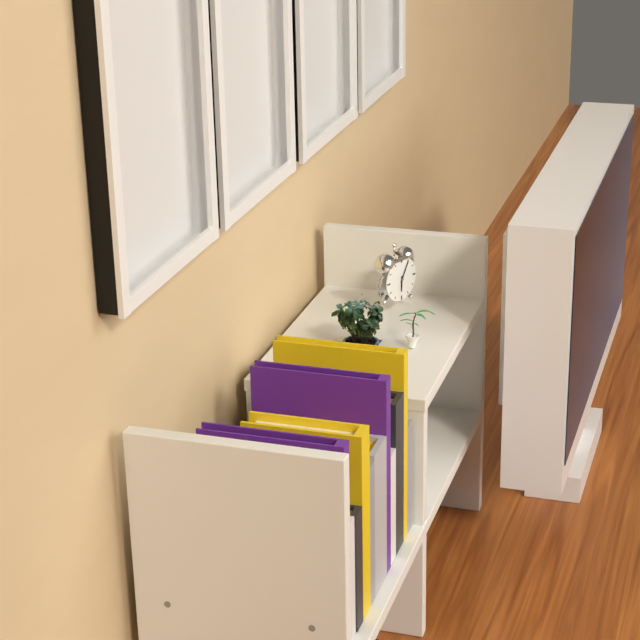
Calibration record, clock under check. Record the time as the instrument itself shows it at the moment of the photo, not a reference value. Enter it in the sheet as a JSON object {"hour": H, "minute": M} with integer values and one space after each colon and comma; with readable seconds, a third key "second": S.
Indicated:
{"hour": 6, "minute": 5}
